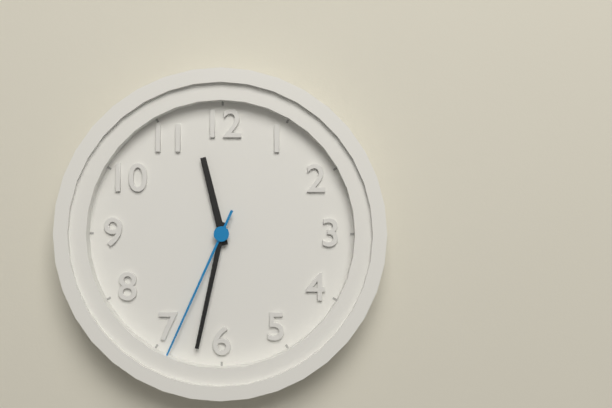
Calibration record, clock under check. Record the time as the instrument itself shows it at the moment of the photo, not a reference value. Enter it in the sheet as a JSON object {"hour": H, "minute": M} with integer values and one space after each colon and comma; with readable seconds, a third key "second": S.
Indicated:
{"hour": 11, "minute": 32, "second": 34}
